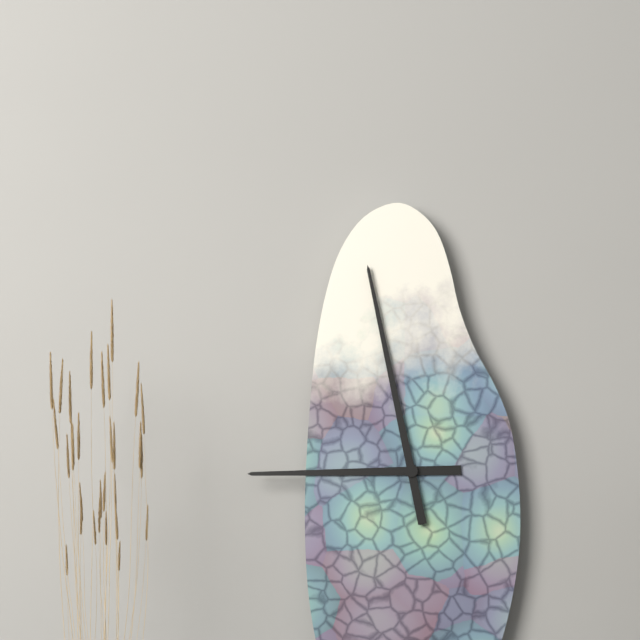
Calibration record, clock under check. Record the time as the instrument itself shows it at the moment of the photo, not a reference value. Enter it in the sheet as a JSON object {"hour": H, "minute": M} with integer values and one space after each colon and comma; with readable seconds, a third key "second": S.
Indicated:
{"hour": 8, "minute": 58}
